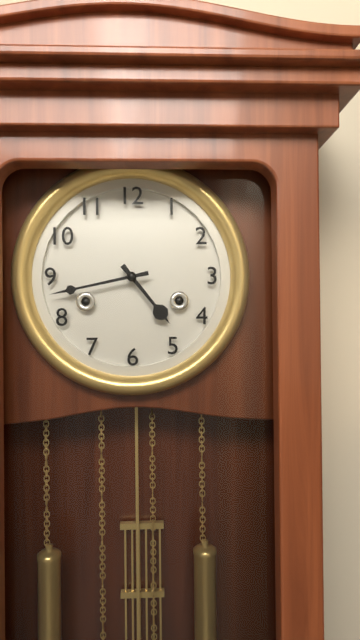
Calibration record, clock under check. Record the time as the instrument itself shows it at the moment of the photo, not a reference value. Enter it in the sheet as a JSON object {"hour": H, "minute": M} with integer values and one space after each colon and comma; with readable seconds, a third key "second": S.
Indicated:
{"hour": 4, "minute": 43}
